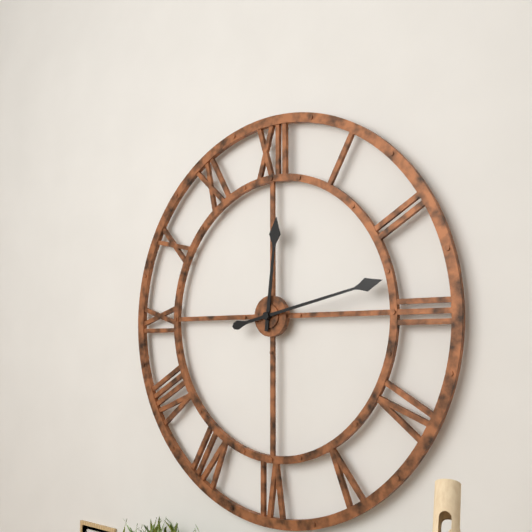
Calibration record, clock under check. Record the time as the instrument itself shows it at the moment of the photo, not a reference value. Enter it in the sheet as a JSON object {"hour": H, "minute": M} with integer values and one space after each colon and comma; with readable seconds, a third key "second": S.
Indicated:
{"hour": 12, "minute": 13}
